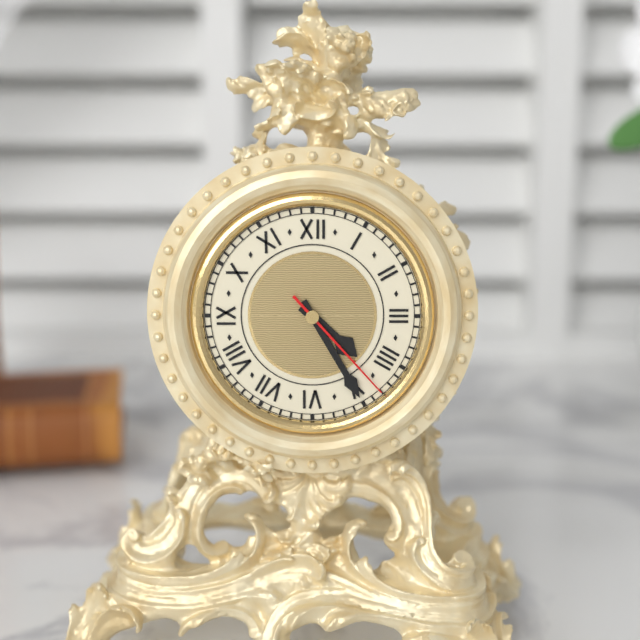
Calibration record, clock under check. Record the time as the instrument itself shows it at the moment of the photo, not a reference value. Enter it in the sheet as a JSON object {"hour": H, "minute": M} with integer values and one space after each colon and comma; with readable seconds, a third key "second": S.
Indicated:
{"hour": 4, "minute": 25, "second": 23}
